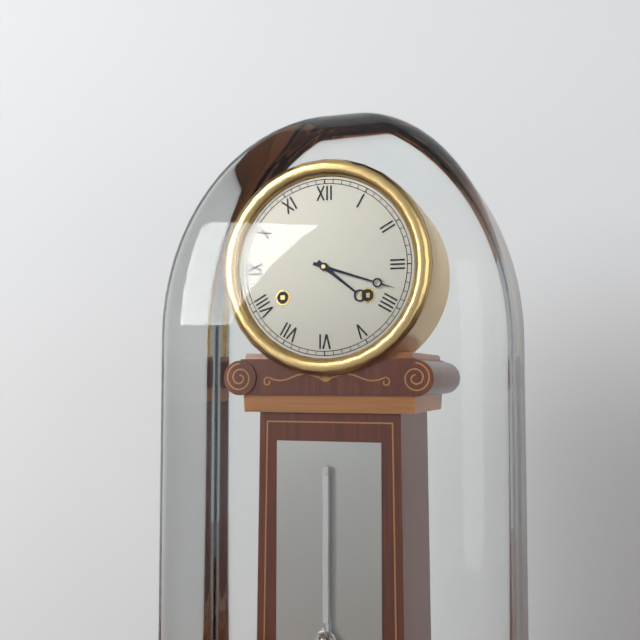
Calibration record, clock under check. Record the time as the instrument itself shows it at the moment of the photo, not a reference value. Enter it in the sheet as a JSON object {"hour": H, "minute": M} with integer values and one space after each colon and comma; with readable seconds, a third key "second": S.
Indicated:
{"hour": 4, "minute": 18}
